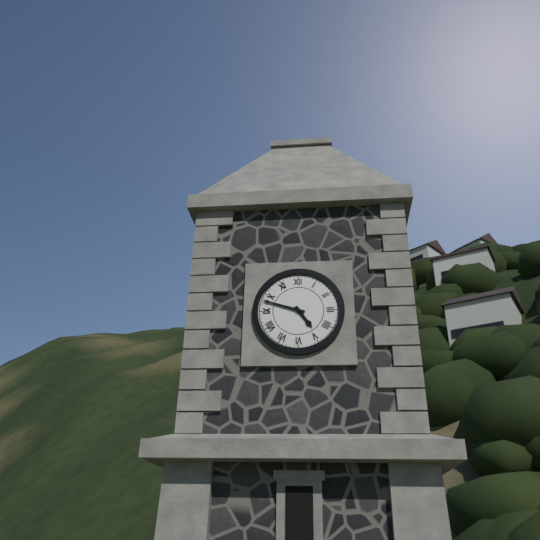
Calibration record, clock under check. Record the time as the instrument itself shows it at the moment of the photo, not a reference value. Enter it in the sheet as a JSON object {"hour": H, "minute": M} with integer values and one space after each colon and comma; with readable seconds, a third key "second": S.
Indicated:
{"hour": 4, "minute": 48}
